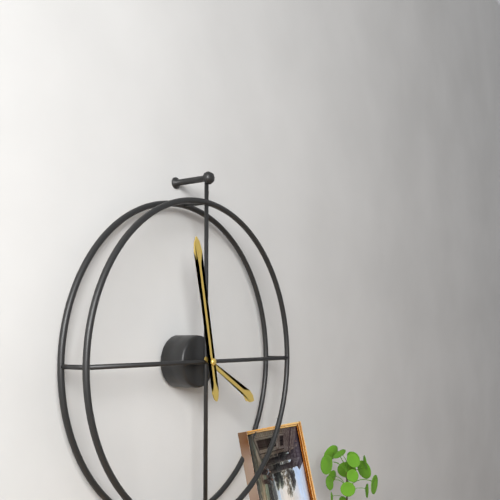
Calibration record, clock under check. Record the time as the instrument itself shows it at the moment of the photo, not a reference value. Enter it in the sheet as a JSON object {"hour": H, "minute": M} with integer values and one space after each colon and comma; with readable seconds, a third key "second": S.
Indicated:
{"hour": 3, "minute": 58}
